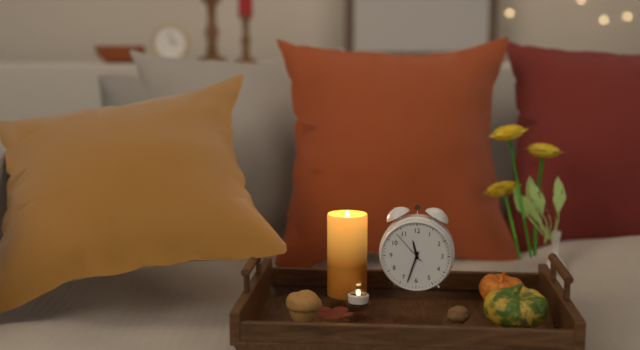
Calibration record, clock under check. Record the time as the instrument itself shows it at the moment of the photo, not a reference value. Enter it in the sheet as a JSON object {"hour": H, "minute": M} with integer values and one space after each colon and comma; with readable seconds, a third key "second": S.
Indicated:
{"hour": 11, "minute": 33}
